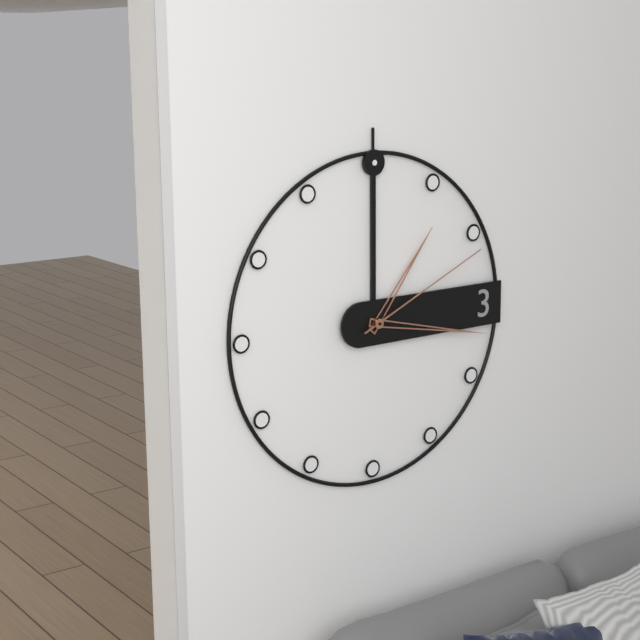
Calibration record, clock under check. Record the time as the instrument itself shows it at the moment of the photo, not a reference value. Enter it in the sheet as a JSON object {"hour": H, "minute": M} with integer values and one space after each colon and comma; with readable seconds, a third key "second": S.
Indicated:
{"hour": 1, "minute": 17, "second": 11}
